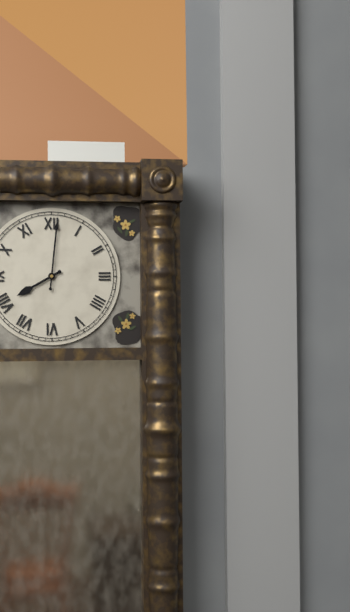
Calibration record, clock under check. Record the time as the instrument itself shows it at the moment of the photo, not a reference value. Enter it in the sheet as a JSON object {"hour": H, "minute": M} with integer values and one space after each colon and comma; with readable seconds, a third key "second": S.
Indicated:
{"hour": 8, "minute": 1}
